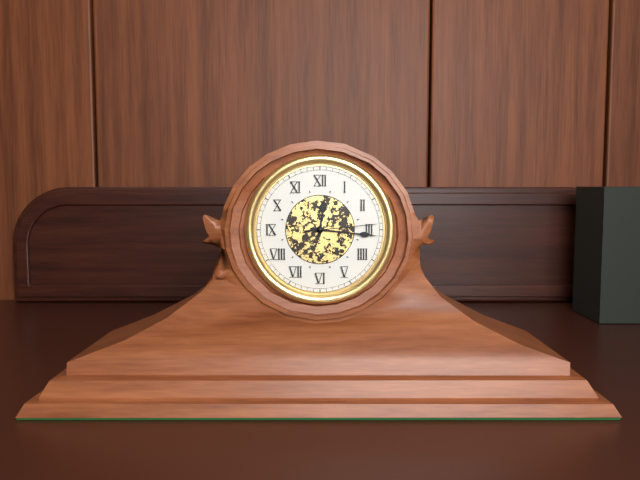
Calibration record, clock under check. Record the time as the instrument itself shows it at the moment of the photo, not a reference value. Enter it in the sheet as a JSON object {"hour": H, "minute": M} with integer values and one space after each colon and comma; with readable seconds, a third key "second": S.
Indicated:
{"hour": 12, "minute": 16, "second": 14}
